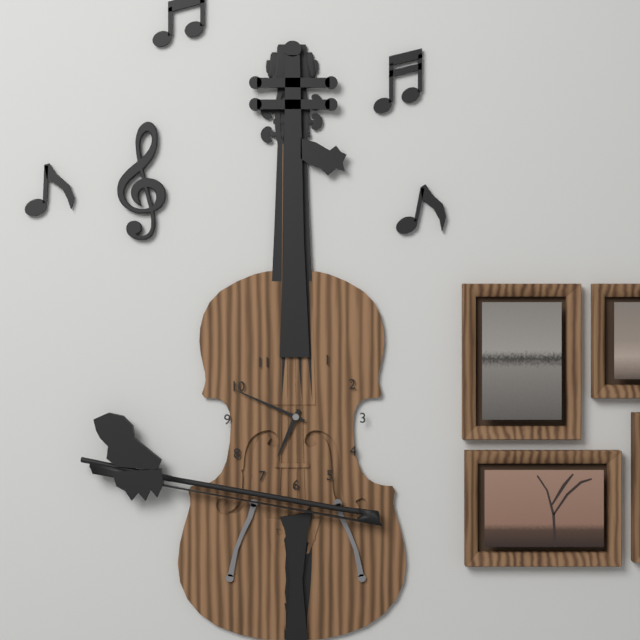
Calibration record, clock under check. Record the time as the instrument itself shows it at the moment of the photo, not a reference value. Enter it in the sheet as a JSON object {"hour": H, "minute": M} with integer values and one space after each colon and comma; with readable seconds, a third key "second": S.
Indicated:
{"hour": 6, "minute": 49}
